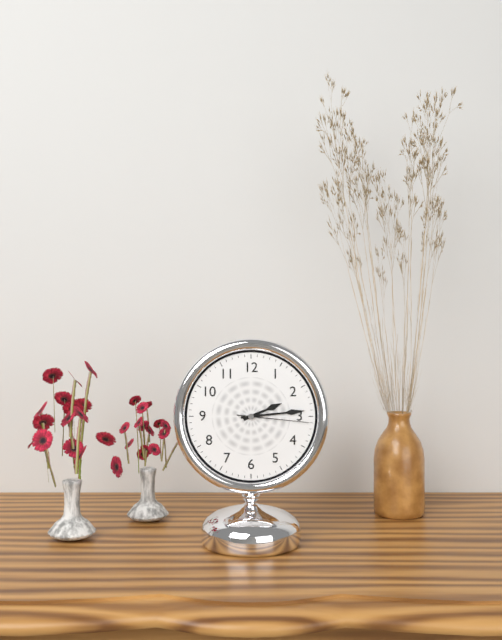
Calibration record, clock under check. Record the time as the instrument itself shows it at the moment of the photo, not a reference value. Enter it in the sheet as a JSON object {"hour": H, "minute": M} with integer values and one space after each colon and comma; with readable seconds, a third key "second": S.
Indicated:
{"hour": 2, "minute": 14, "second": 16}
